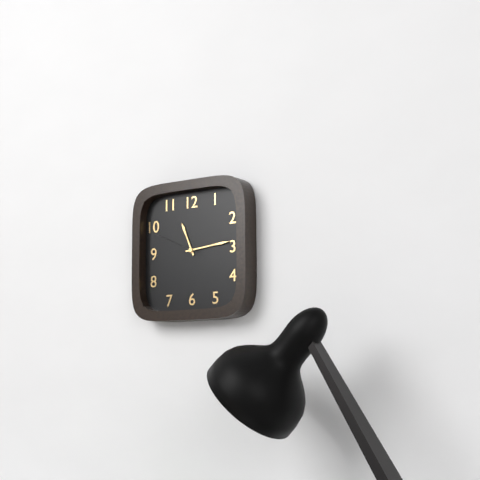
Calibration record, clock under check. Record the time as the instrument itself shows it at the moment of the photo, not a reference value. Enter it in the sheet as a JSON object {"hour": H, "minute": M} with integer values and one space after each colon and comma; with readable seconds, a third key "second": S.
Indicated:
{"hour": 11, "minute": 14}
